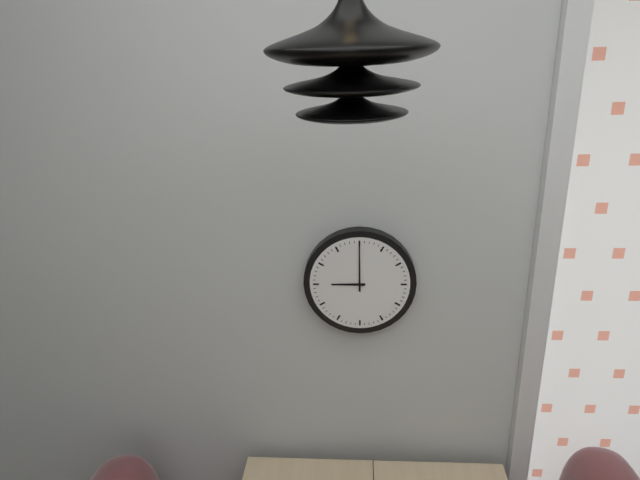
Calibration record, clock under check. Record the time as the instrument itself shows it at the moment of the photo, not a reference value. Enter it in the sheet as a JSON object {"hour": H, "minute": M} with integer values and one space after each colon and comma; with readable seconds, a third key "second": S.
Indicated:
{"hour": 9, "minute": 0}
